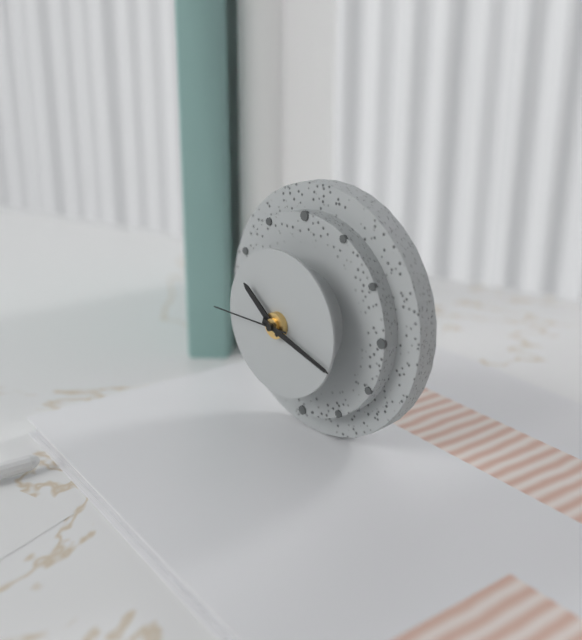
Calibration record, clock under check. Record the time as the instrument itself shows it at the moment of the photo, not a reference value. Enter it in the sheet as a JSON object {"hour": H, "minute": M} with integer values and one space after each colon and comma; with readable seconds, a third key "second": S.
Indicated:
{"hour": 10, "minute": 18, "second": 45}
